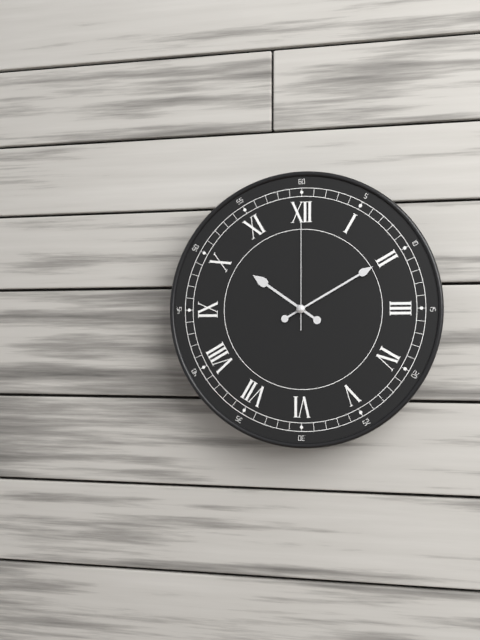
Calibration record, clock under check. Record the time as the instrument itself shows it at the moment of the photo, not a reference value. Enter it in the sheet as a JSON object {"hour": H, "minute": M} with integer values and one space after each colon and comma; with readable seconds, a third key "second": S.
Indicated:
{"hour": 10, "minute": 10, "second": 0}
